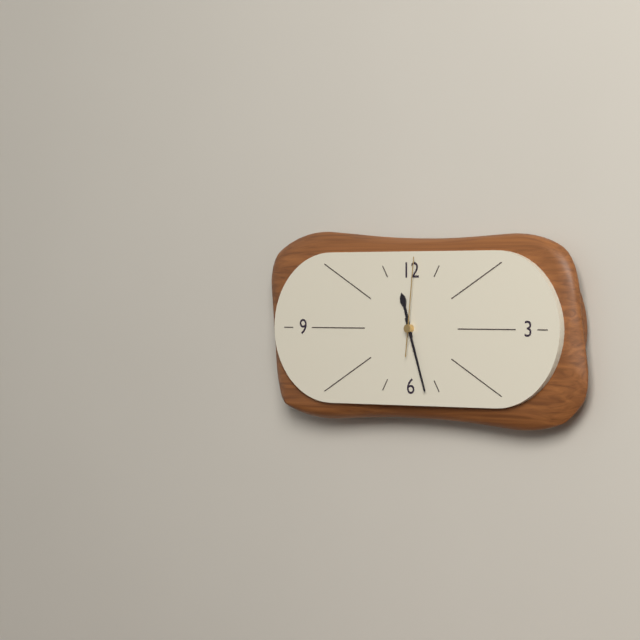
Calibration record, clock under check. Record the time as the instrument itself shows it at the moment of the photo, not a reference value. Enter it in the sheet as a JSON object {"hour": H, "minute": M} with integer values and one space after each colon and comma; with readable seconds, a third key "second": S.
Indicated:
{"hour": 11, "minute": 27, "second": 1}
